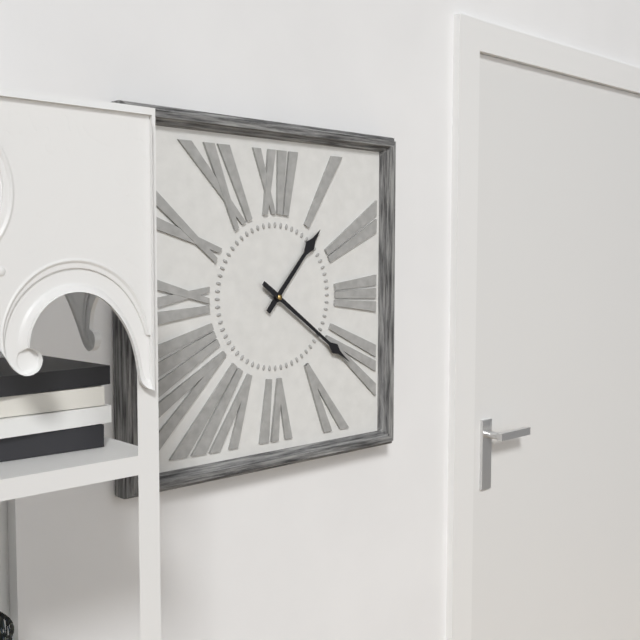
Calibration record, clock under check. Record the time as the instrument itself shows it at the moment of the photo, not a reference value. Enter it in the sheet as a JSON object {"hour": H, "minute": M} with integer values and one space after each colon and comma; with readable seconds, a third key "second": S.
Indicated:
{"hour": 1, "minute": 21}
